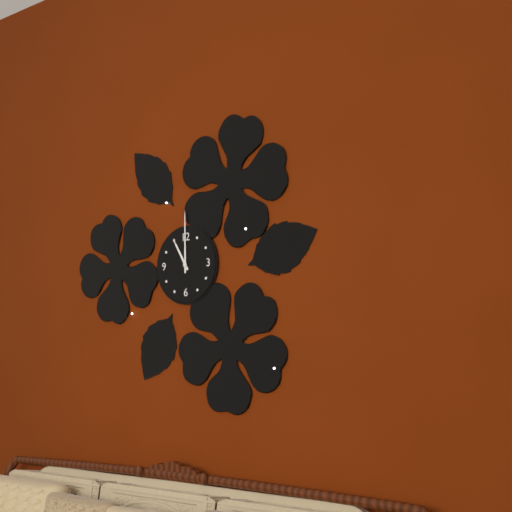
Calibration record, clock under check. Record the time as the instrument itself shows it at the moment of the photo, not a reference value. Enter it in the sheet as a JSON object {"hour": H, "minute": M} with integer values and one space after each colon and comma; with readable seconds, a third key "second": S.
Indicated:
{"hour": 11, "minute": 0}
